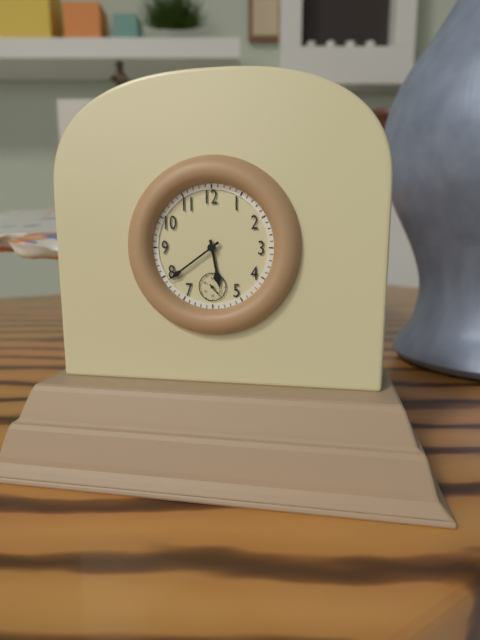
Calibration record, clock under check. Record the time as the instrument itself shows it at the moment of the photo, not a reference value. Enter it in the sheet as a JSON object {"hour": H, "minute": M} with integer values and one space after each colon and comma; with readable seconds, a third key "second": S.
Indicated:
{"hour": 5, "minute": 39}
